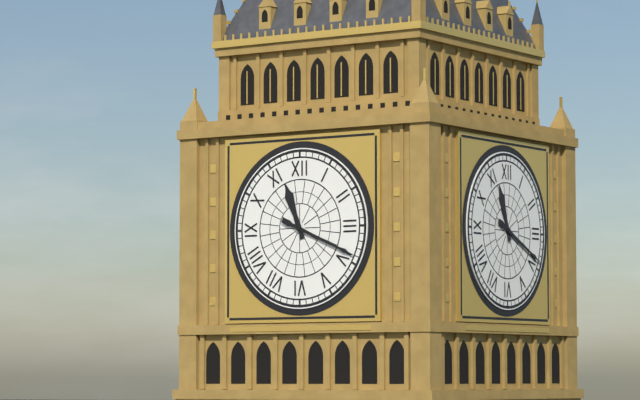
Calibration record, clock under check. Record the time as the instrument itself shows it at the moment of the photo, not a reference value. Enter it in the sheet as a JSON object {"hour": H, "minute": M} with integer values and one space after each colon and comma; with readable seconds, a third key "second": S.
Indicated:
{"hour": 11, "minute": 19}
